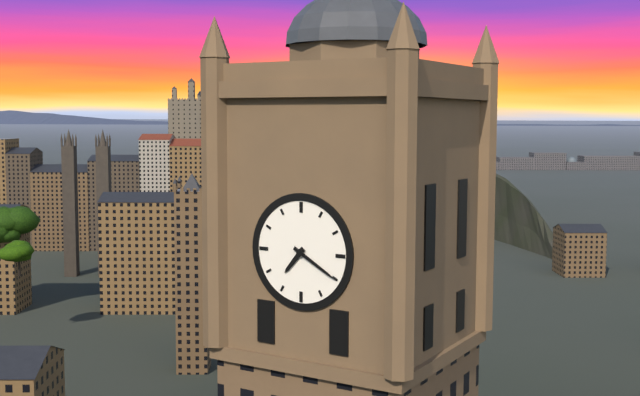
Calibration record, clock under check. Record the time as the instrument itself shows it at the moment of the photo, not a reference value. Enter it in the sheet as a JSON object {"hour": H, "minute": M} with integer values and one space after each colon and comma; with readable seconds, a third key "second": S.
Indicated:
{"hour": 7, "minute": 20}
